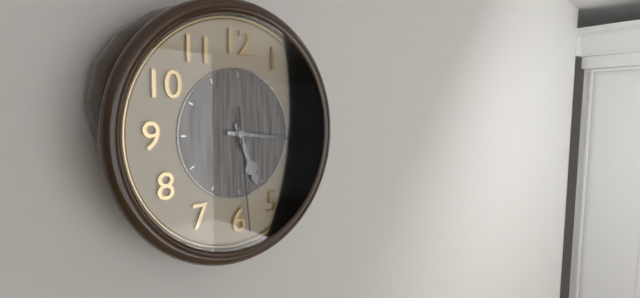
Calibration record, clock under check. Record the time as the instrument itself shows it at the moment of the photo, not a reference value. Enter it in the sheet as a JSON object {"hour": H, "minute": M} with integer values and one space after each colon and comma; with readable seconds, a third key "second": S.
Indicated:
{"hour": 5, "minute": 16, "second": 29}
